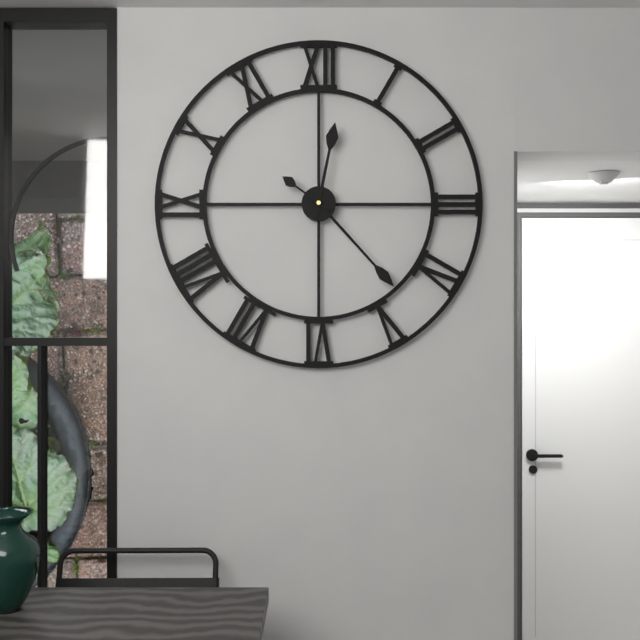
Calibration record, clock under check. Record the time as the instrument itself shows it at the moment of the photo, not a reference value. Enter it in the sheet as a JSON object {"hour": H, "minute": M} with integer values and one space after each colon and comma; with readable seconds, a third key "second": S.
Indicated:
{"hour": 12, "minute": 23, "second": 51}
